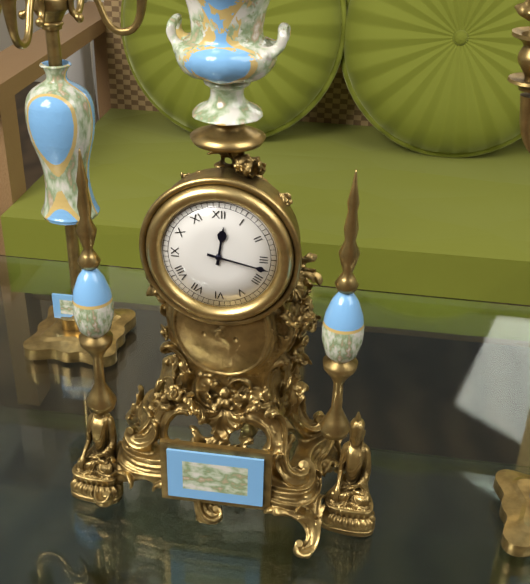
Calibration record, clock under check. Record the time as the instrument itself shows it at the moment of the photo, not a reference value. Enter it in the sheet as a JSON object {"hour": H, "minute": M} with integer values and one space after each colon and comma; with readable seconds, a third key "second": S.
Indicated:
{"hour": 12, "minute": 17}
